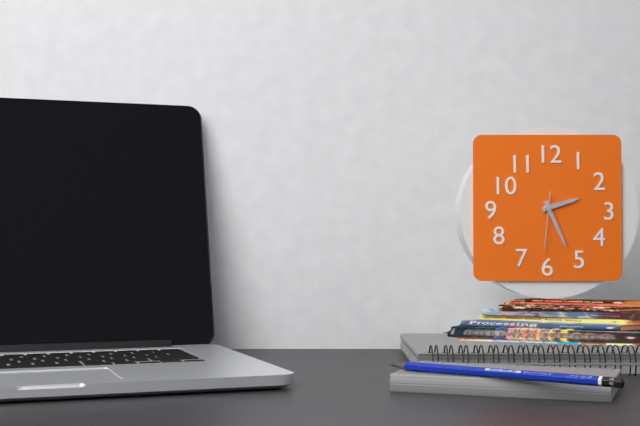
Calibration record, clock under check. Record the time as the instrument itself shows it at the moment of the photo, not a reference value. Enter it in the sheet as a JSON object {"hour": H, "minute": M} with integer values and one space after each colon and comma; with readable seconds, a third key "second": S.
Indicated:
{"hour": 2, "minute": 26, "second": 31}
